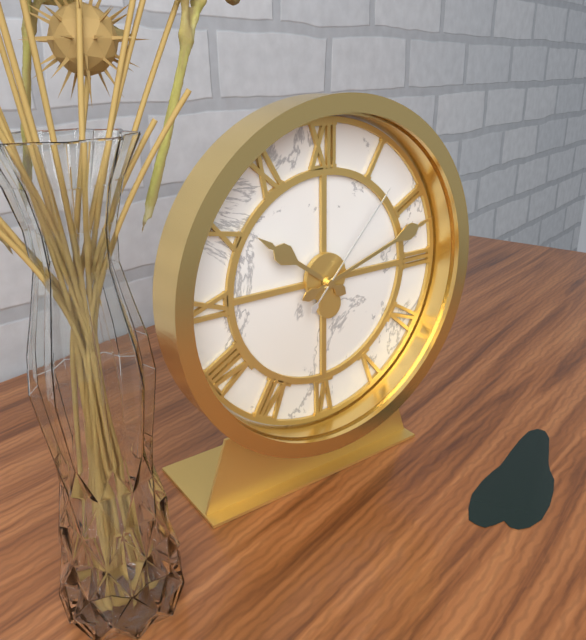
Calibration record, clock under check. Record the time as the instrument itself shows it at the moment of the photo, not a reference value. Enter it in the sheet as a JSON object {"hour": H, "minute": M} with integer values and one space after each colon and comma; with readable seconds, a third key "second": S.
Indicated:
{"hour": 10, "minute": 12, "second": 7}
